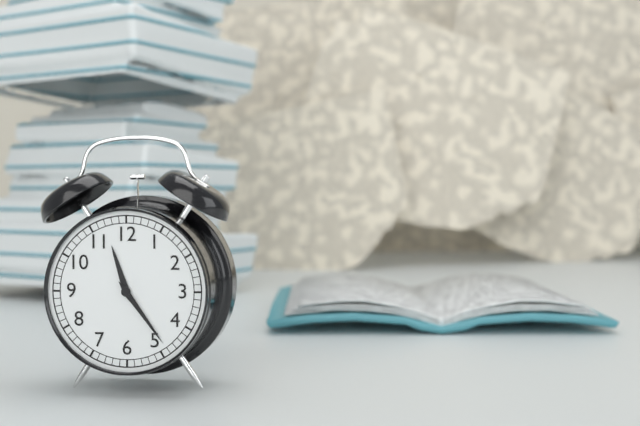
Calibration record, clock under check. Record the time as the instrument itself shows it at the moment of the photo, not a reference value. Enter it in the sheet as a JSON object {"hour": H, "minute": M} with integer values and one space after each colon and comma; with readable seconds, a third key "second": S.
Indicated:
{"hour": 11, "minute": 24}
